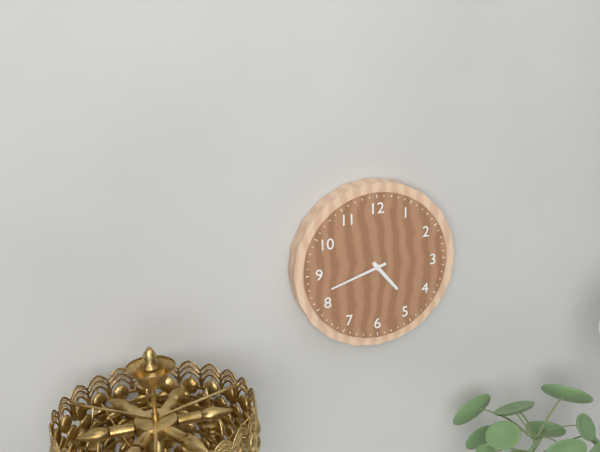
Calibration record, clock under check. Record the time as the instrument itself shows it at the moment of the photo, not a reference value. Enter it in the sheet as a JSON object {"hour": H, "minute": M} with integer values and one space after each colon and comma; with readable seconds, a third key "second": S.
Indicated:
{"hour": 4, "minute": 42}
